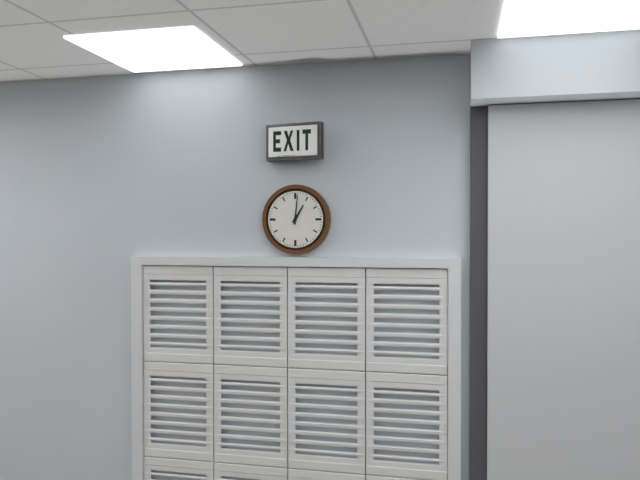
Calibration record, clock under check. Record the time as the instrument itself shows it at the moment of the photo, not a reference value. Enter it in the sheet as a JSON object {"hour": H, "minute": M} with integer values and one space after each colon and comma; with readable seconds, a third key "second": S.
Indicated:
{"hour": 1, "minute": 1}
